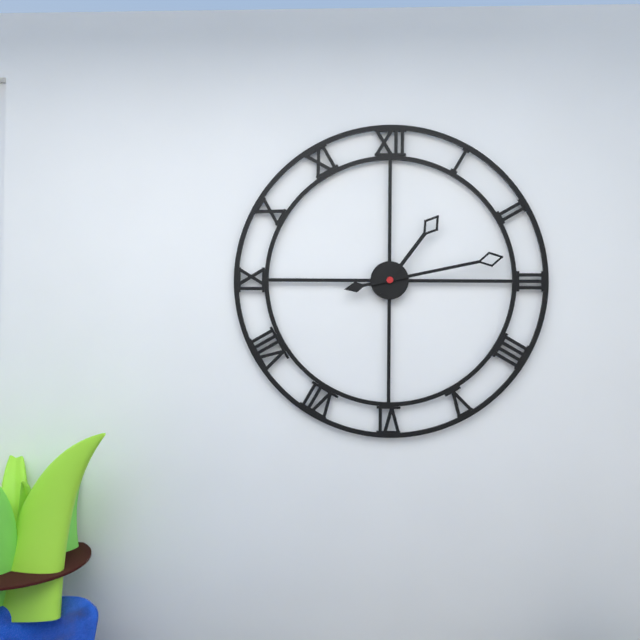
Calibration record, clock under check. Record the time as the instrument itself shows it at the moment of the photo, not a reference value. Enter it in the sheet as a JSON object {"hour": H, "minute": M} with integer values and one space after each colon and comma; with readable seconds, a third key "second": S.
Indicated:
{"hour": 1, "minute": 13}
